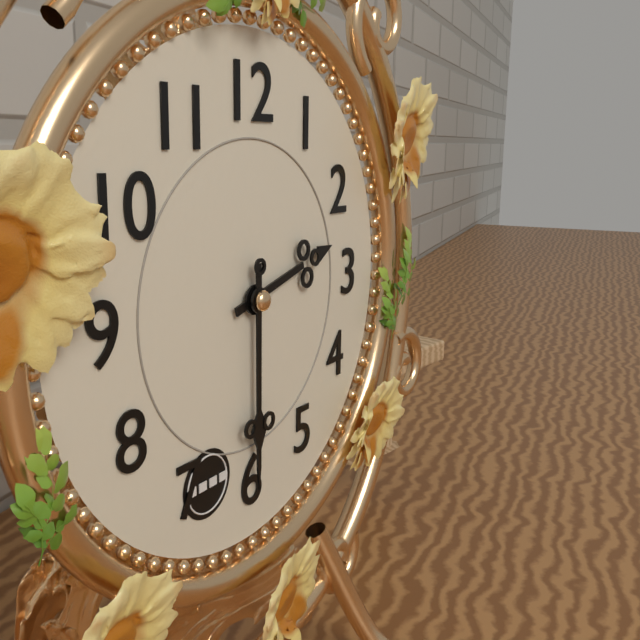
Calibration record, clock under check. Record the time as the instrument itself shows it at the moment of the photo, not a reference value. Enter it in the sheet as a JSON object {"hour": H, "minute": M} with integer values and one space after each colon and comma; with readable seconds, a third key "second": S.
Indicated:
{"hour": 2, "minute": 30}
